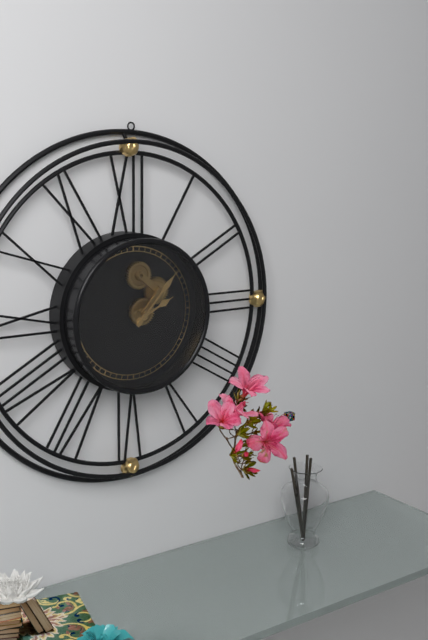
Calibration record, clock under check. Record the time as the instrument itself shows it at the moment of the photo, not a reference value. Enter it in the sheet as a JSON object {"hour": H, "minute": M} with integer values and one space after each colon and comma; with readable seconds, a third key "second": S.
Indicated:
{"hour": 2, "minute": 7}
